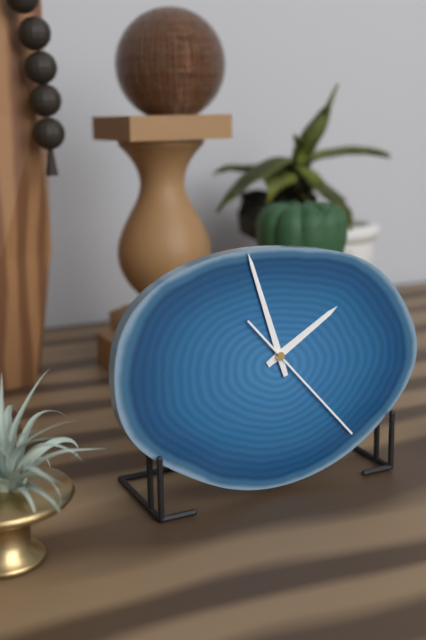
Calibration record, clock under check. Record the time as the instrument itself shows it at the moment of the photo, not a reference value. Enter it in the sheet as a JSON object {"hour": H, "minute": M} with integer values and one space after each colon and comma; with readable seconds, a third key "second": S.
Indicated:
{"hour": 1, "minute": 57, "second": 23}
